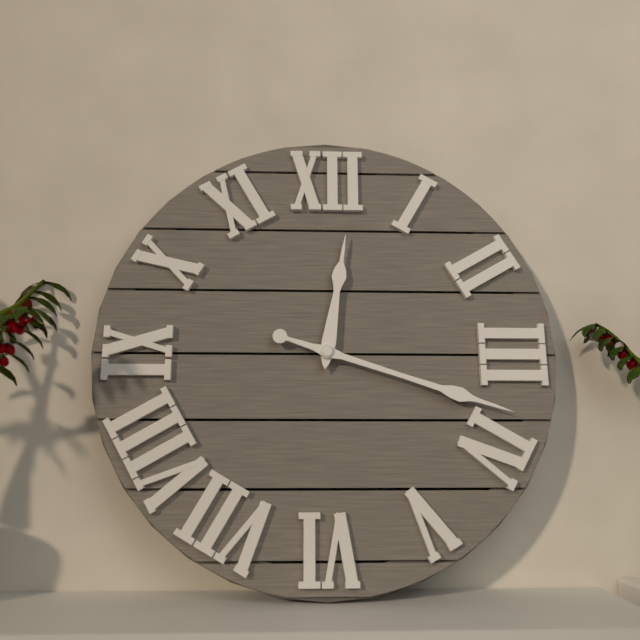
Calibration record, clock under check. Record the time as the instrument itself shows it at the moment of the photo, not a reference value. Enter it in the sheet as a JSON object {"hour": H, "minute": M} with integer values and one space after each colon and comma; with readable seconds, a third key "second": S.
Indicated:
{"hour": 12, "minute": 18}
